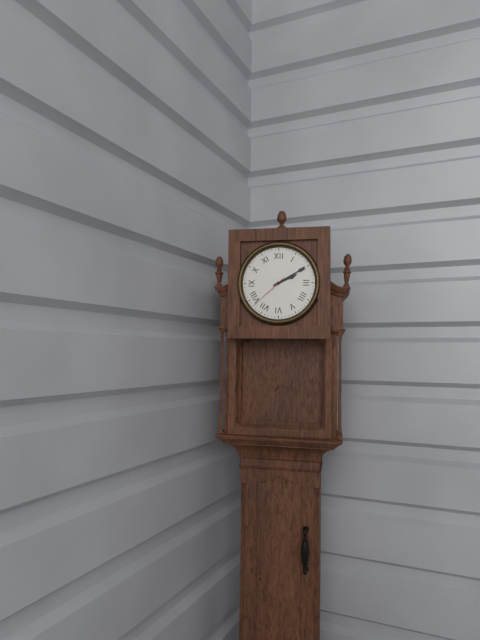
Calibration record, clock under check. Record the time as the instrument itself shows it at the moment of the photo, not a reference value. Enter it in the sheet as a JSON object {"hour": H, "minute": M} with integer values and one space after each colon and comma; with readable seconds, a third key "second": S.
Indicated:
{"hour": 2, "minute": 10}
